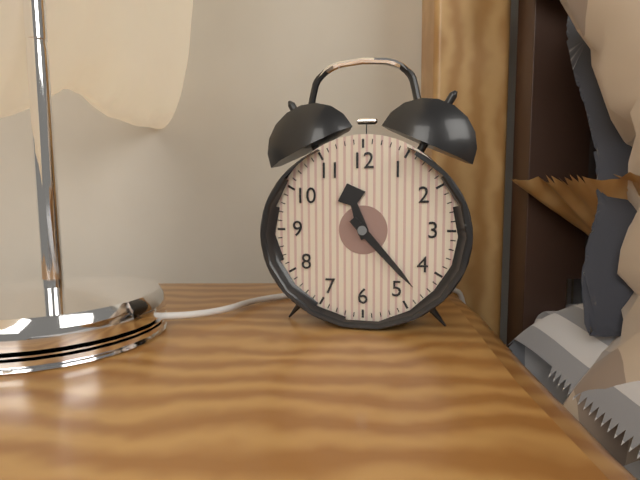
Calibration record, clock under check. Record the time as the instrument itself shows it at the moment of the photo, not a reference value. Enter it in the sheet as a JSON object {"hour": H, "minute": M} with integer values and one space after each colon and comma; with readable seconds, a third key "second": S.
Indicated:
{"hour": 11, "minute": 23}
